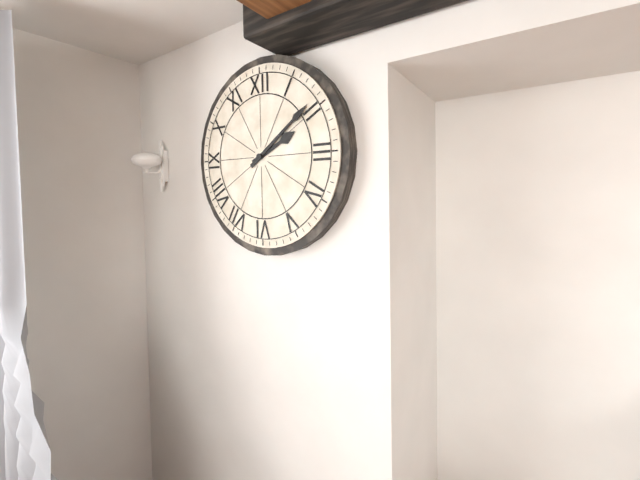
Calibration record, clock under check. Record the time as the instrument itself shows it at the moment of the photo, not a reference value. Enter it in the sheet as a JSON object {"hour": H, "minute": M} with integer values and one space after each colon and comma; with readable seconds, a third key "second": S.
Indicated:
{"hour": 2, "minute": 9}
